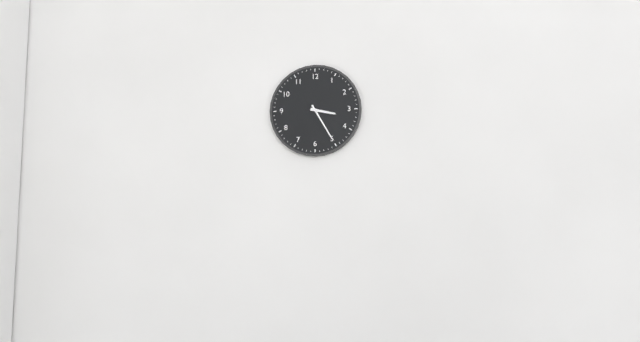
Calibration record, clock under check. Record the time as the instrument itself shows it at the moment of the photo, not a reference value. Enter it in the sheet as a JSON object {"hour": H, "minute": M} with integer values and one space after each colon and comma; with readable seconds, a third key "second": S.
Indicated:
{"hour": 3, "minute": 25}
